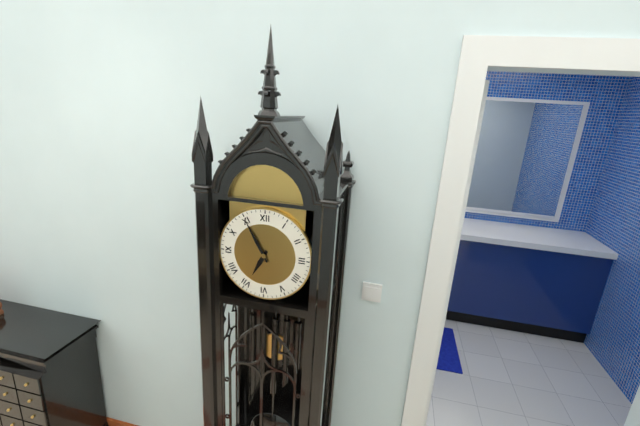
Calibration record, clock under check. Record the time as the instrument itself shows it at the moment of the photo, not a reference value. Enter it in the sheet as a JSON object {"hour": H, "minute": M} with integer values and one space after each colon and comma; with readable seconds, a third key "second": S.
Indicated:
{"hour": 6, "minute": 55}
